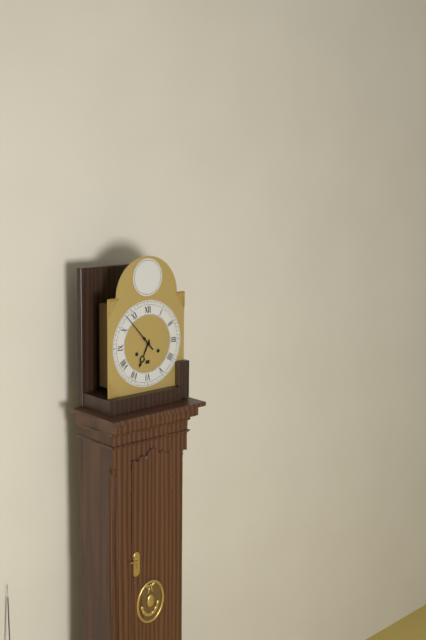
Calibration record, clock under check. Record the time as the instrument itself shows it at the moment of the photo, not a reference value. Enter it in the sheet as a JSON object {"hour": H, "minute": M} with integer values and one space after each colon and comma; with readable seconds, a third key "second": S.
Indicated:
{"hour": 6, "minute": 53}
